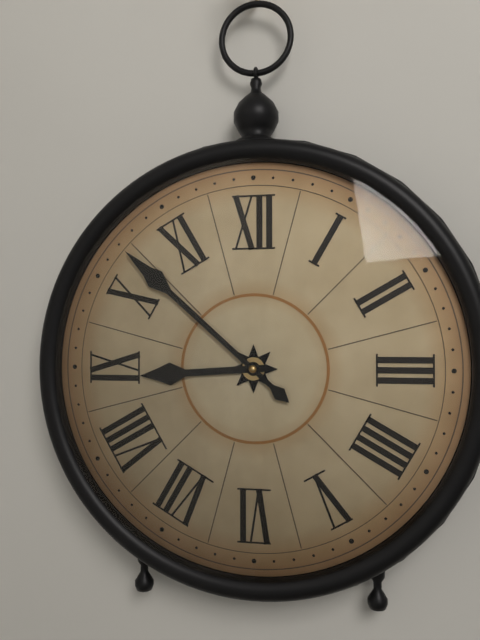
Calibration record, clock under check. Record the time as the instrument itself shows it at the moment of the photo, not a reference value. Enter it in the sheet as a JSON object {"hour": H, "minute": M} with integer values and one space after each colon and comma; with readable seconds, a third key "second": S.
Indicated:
{"hour": 8, "minute": 52}
